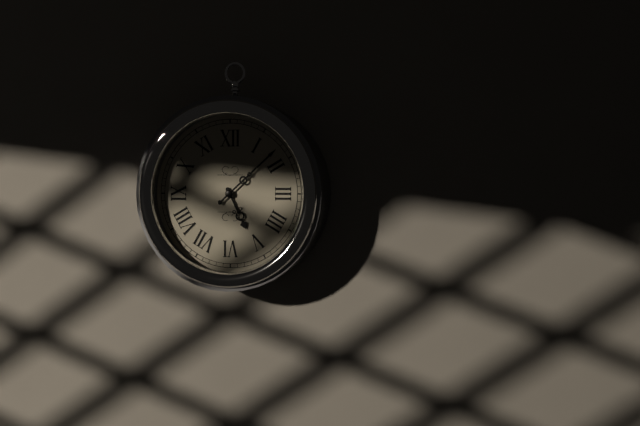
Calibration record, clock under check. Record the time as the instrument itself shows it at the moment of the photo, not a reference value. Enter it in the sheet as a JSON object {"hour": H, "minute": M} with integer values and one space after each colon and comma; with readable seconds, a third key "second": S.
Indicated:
{"hour": 5, "minute": 8}
